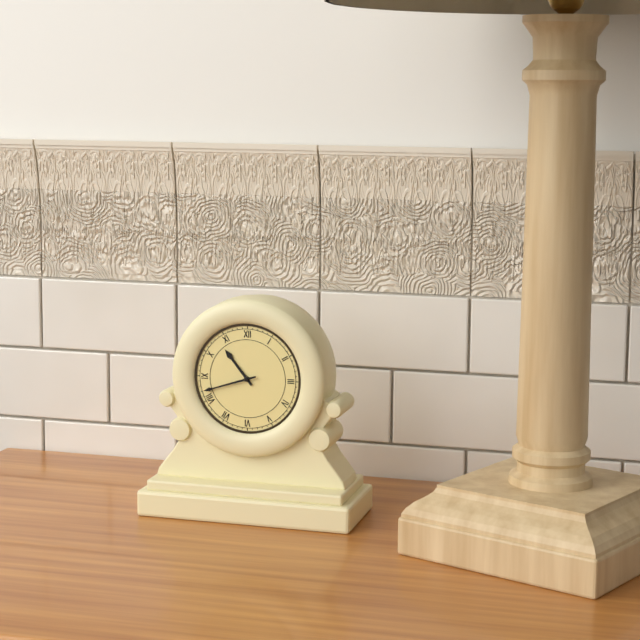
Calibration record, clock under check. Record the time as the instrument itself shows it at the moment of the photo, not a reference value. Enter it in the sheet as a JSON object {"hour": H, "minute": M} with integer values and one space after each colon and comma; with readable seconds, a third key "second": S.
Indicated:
{"hour": 10, "minute": 42}
